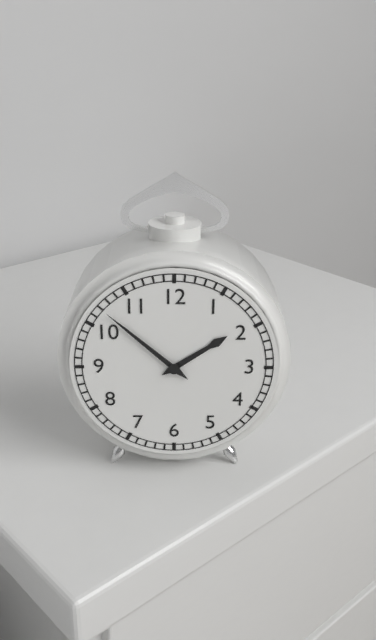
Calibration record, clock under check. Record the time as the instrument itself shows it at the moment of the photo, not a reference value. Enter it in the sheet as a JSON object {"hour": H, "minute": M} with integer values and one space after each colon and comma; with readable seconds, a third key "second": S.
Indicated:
{"hour": 1, "minute": 52}
